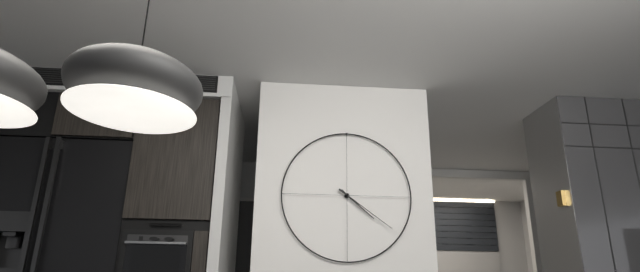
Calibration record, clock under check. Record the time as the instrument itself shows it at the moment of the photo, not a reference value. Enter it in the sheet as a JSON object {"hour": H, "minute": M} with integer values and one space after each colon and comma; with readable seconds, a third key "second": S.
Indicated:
{"hour": 4, "minute": 21}
